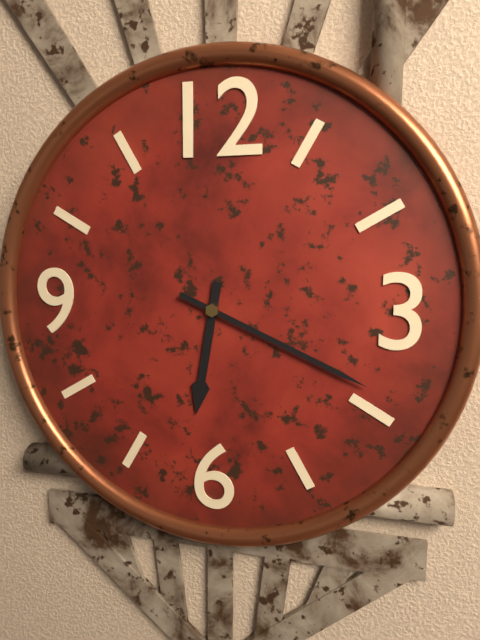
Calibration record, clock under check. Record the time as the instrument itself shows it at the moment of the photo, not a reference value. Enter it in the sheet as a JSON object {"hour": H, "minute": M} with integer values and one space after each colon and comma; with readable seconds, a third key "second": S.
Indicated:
{"hour": 6, "minute": 19}
